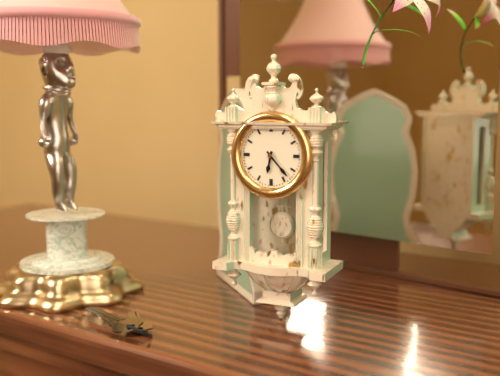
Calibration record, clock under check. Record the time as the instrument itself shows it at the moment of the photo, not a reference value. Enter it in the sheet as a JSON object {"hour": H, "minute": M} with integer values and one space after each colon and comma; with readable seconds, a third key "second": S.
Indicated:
{"hour": 6, "minute": 23}
